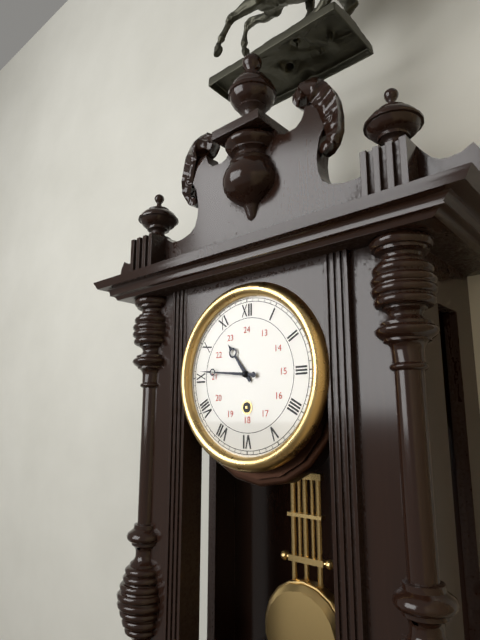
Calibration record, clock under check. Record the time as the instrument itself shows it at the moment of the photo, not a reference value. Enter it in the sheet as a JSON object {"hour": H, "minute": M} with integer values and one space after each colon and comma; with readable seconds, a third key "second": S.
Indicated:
{"hour": 10, "minute": 46}
